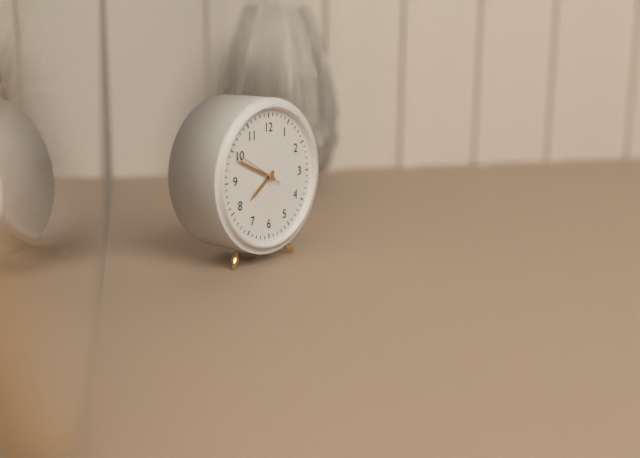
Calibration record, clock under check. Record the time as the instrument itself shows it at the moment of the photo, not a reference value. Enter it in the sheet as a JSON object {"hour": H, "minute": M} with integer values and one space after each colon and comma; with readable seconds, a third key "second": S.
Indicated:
{"hour": 7, "minute": 49, "second": 50}
